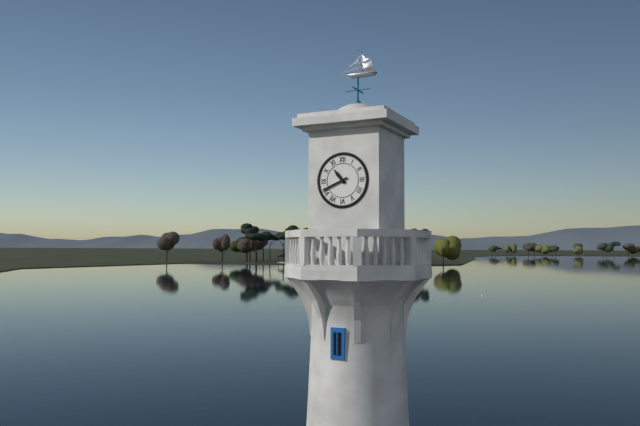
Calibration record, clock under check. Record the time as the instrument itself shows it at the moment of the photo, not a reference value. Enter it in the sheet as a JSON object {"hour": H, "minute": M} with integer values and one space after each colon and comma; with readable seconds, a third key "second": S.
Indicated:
{"hour": 10, "minute": 41}
